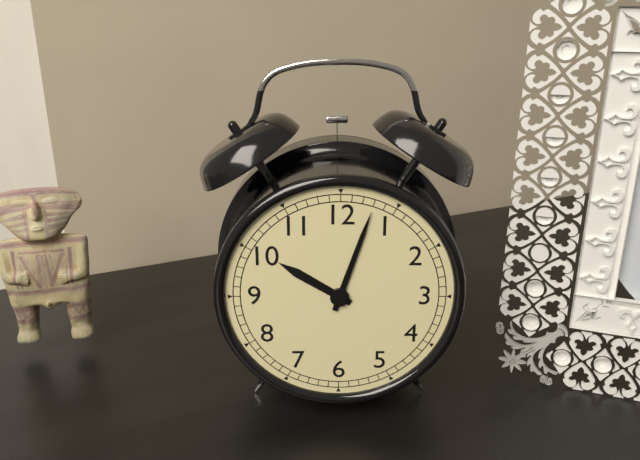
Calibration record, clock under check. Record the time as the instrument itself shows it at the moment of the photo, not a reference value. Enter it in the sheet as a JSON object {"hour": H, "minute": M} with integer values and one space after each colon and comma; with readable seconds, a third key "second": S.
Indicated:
{"hour": 10, "minute": 3}
